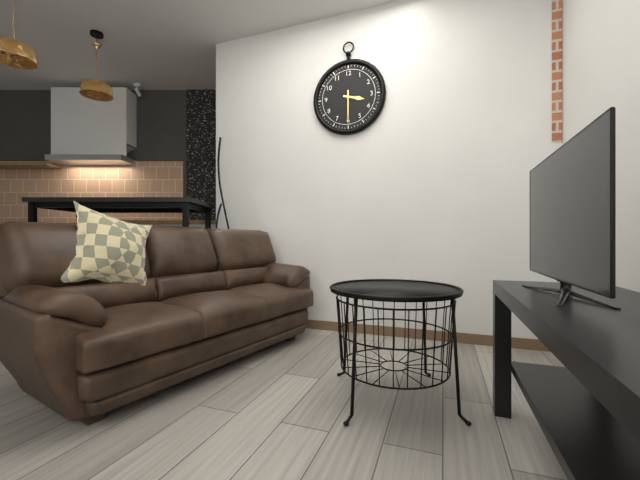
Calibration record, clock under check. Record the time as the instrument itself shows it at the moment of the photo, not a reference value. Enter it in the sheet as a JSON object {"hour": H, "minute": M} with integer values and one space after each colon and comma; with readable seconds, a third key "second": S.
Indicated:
{"hour": 3, "minute": 30}
